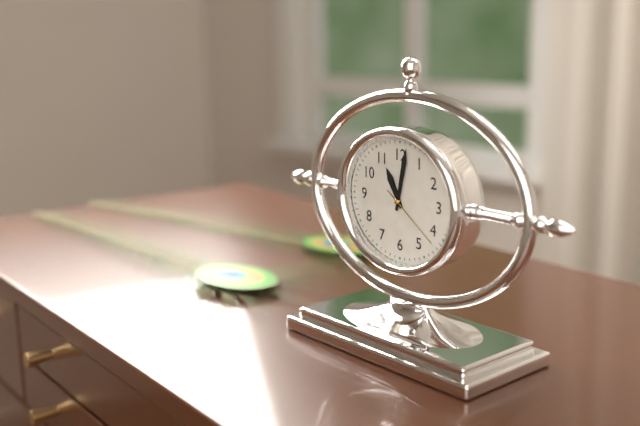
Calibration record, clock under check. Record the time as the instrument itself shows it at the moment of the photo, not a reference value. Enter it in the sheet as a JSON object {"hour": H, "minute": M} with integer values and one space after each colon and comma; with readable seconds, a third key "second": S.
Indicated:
{"hour": 11, "minute": 2, "second": 21}
